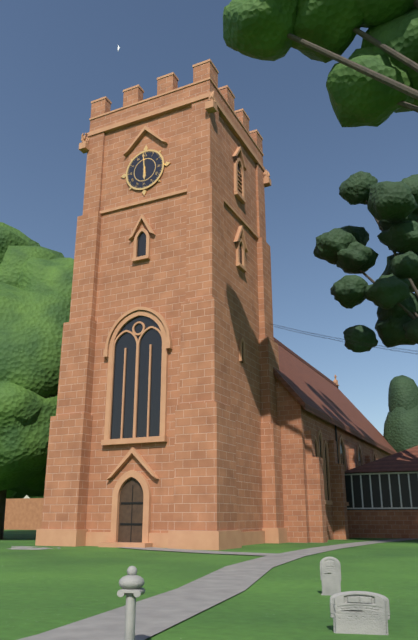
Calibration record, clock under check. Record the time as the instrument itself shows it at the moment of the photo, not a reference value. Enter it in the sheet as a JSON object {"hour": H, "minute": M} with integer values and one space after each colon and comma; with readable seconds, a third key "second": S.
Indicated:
{"hour": 5, "minute": 59}
